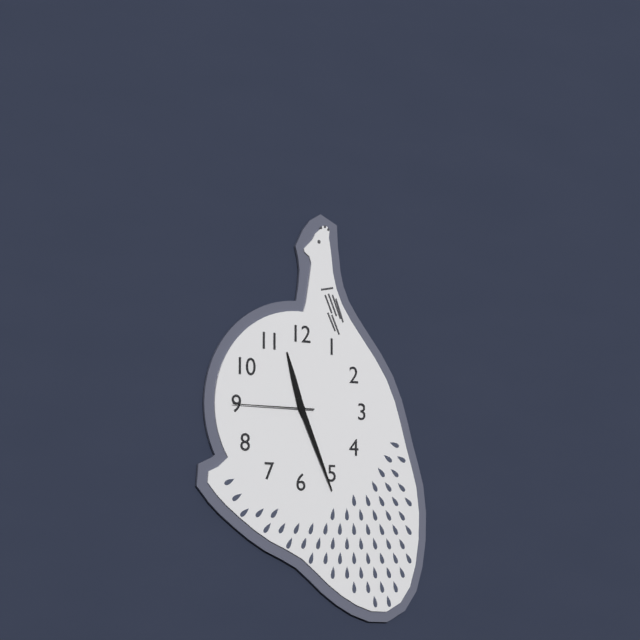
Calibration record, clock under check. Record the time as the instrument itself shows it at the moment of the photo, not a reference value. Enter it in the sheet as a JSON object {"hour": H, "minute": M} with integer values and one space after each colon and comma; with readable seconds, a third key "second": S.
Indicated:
{"hour": 11, "minute": 26, "second": 45}
